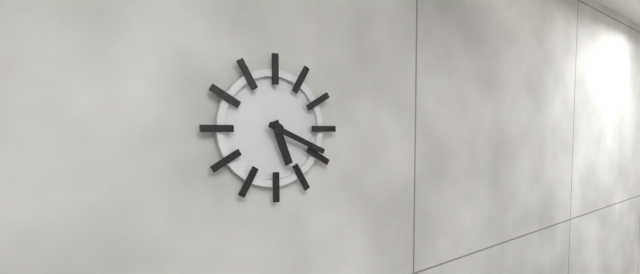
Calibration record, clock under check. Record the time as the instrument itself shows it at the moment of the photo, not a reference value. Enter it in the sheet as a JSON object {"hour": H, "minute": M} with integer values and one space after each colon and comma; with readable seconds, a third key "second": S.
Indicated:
{"hour": 5, "minute": 19}
